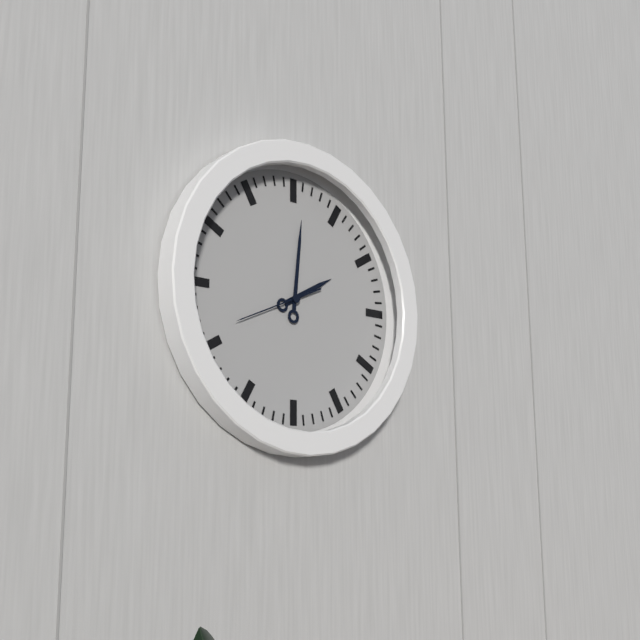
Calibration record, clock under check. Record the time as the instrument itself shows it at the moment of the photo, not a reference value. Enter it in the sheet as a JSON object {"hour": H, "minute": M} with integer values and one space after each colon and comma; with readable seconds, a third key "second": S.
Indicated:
{"hour": 2, "minute": 1, "second": 41}
